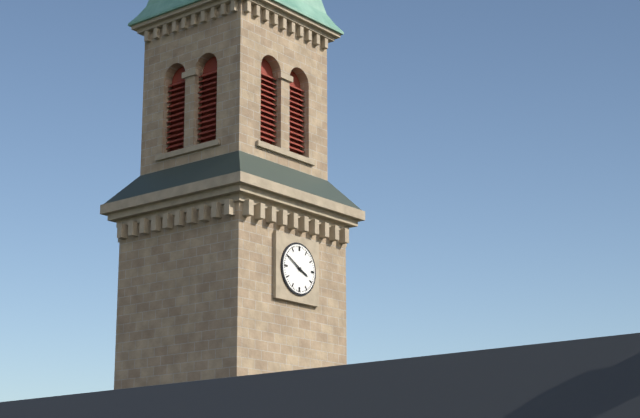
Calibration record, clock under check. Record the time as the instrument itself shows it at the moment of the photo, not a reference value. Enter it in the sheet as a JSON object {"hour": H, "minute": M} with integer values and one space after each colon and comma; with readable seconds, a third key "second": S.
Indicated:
{"hour": 3, "minute": 50}
